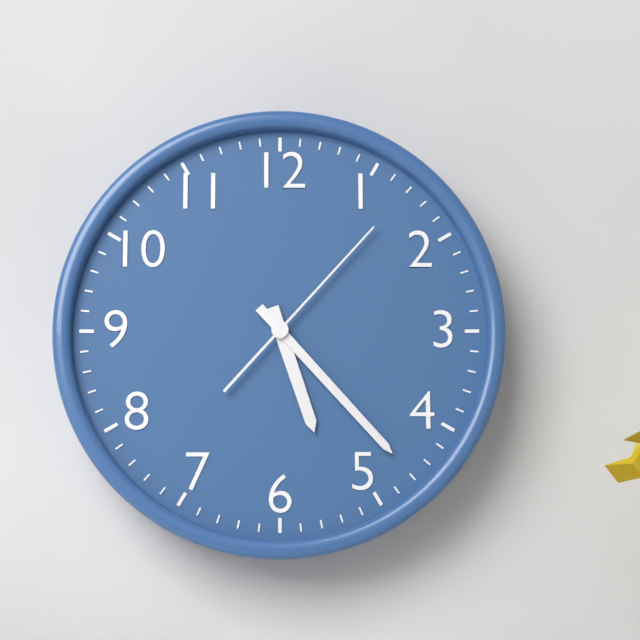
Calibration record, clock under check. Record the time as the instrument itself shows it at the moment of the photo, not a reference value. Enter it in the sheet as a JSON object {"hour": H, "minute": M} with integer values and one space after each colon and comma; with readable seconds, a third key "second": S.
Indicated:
{"hour": 5, "minute": 23, "second": 7}
